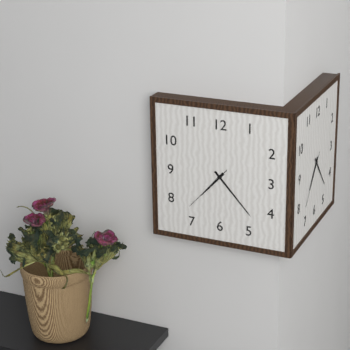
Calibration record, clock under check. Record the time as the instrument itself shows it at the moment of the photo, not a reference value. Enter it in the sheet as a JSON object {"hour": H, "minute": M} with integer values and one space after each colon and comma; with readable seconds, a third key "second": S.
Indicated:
{"hour": 7, "minute": 23, "second": 37}
